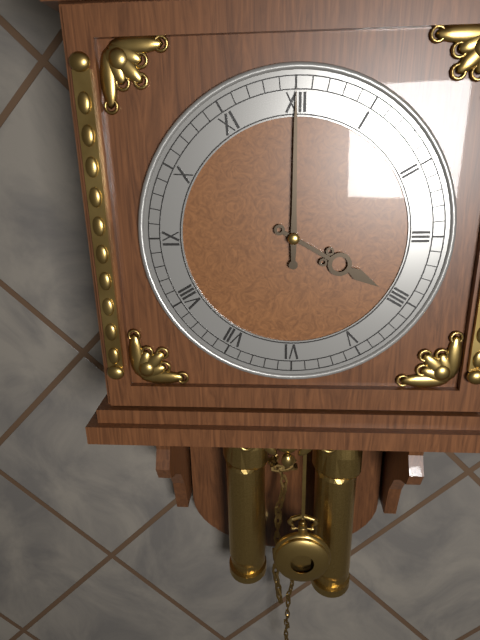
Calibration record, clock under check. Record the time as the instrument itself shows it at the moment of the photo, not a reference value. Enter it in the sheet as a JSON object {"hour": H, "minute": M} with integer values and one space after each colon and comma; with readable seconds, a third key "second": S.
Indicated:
{"hour": 4, "minute": 0}
